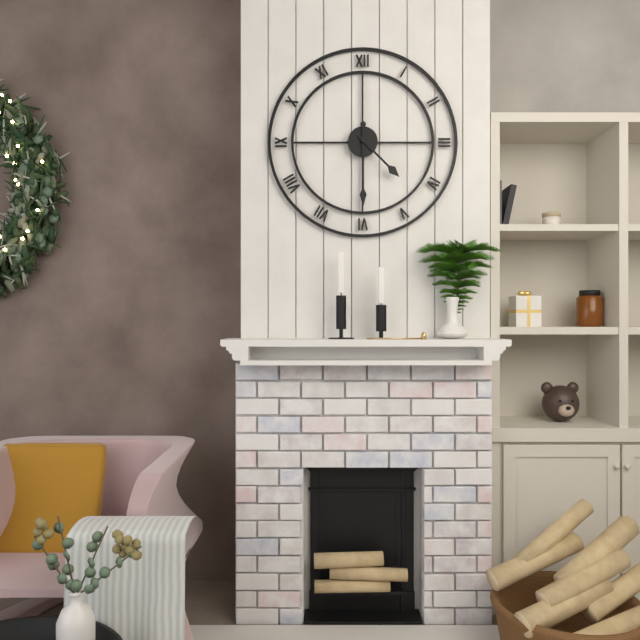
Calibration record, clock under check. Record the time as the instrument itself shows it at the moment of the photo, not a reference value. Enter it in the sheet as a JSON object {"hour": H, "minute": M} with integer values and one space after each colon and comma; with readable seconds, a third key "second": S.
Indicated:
{"hour": 4, "minute": 30}
